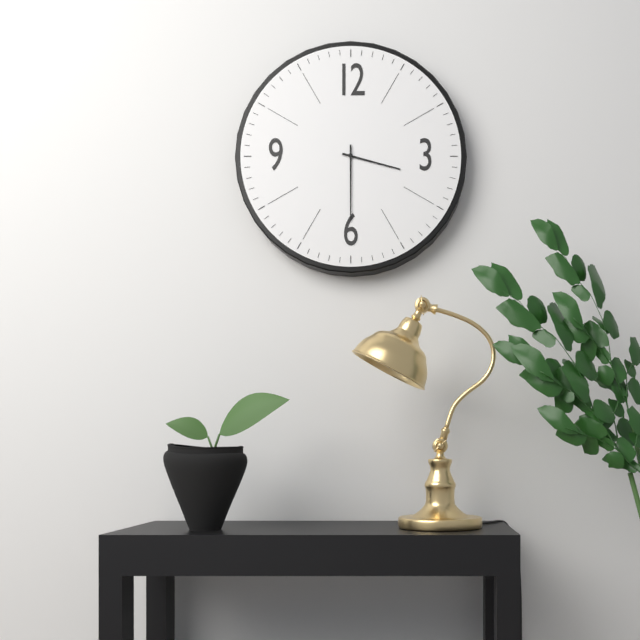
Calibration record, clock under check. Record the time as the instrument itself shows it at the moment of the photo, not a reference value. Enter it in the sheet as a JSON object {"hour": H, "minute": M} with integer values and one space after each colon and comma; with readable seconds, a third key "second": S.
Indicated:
{"hour": 3, "minute": 30}
